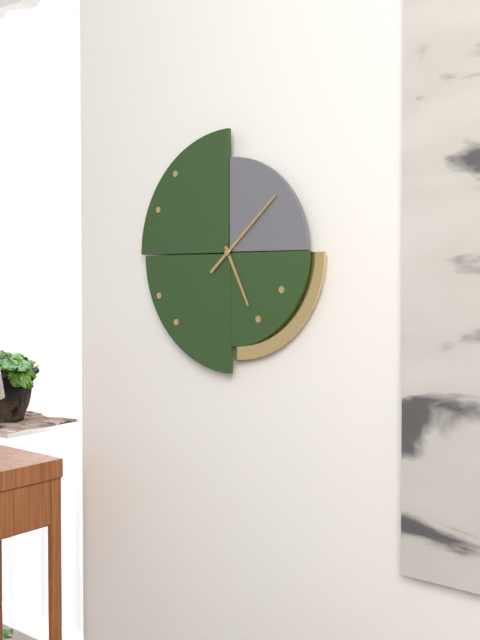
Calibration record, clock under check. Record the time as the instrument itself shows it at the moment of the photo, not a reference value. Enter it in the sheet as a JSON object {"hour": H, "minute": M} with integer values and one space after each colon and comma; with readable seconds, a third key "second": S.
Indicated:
{"hour": 5, "minute": 8}
